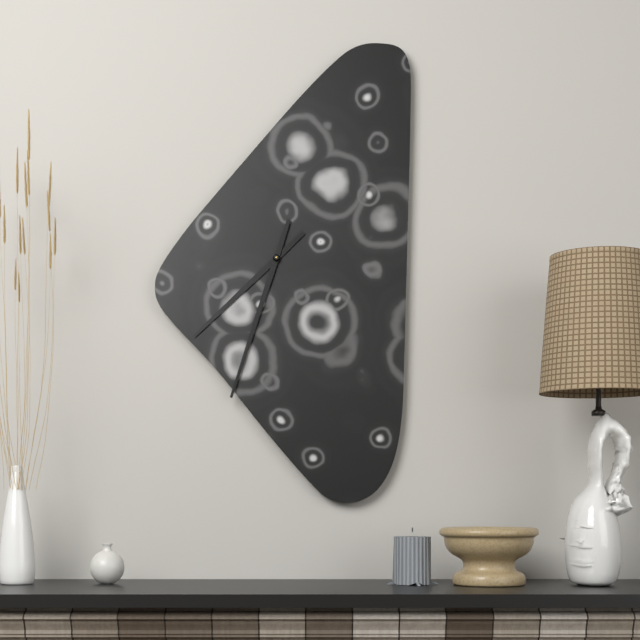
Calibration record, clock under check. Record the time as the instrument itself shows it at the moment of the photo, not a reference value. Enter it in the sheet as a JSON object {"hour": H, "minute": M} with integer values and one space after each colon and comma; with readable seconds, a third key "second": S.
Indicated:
{"hour": 7, "minute": 33}
